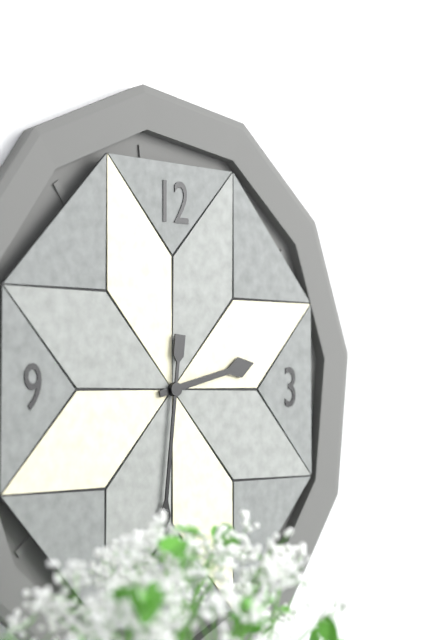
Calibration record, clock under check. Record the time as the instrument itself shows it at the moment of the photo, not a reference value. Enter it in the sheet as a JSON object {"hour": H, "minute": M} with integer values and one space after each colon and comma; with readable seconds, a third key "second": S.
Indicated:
{"hour": 2, "minute": 31}
